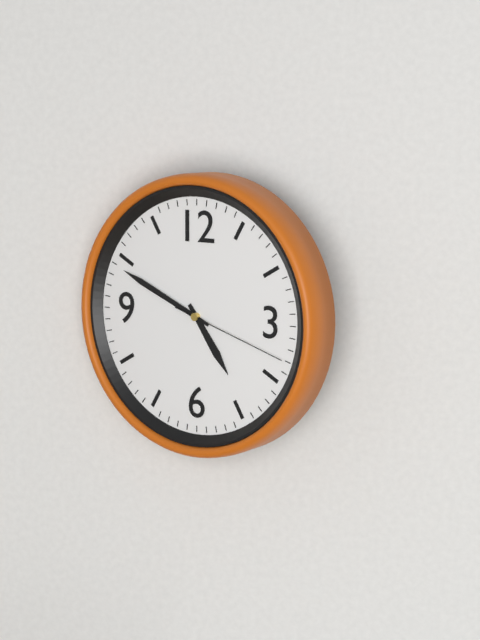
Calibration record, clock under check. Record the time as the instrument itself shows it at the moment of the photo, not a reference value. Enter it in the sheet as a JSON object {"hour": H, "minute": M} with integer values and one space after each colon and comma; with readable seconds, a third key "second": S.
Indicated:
{"hour": 4, "minute": 49, "second": 18}
